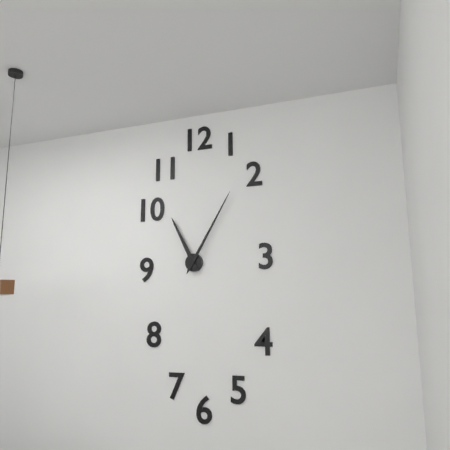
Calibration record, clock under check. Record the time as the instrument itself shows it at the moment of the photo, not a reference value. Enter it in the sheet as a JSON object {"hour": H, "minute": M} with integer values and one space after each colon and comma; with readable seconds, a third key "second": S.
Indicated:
{"hour": 11, "minute": 5}
